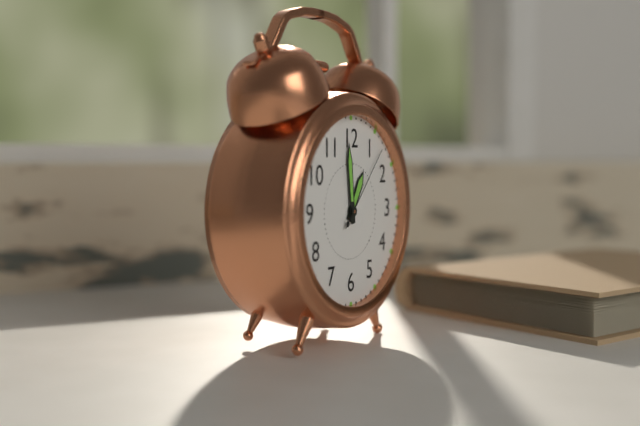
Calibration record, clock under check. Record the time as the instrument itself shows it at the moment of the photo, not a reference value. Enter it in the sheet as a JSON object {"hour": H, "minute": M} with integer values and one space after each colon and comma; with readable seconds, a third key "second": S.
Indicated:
{"hour": 12, "minute": 59, "second": 7}
